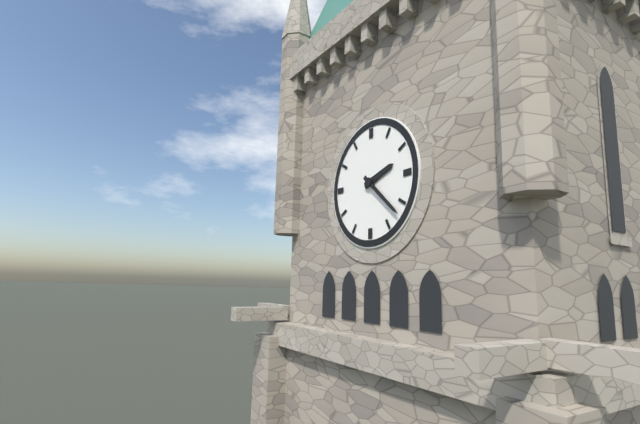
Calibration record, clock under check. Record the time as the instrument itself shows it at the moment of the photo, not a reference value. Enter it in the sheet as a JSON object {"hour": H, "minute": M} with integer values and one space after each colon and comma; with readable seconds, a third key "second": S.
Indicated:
{"hour": 2, "minute": 22}
